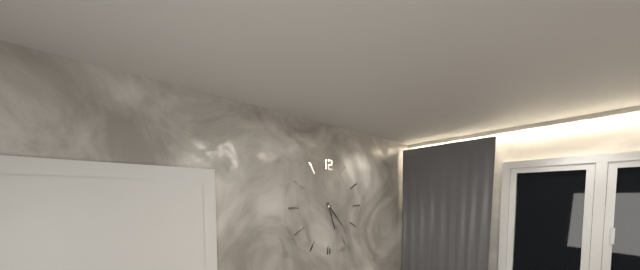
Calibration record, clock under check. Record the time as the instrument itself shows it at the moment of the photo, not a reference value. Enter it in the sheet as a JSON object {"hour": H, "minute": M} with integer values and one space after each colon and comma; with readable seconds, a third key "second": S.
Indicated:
{"hour": 5, "minute": 23}
